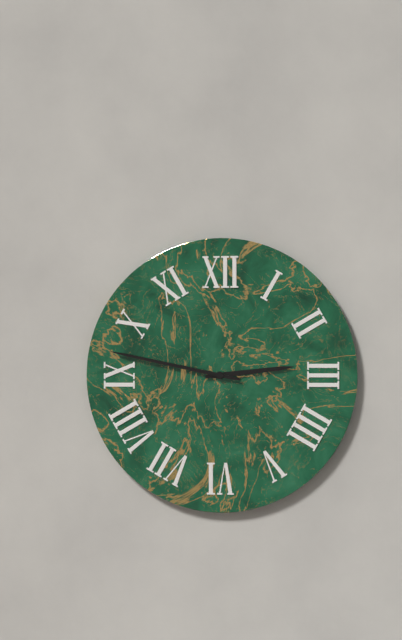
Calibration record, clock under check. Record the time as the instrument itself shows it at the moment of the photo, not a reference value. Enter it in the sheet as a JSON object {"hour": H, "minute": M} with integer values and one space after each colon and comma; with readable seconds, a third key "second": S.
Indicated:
{"hour": 2, "minute": 47}
